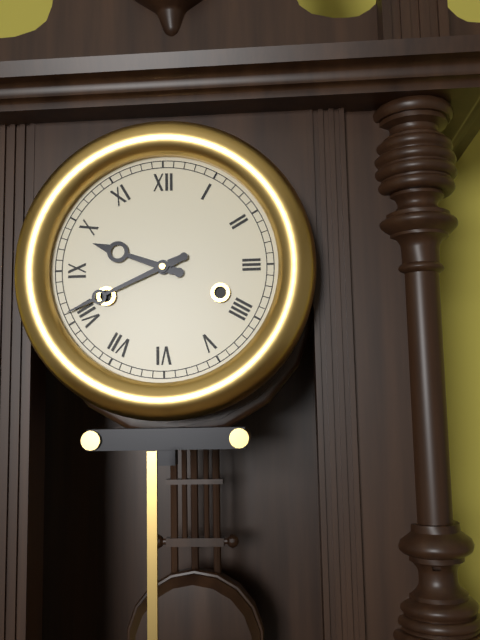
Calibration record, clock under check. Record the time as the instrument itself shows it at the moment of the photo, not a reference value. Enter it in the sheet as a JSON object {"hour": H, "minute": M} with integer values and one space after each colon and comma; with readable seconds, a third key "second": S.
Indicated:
{"hour": 9, "minute": 41}
